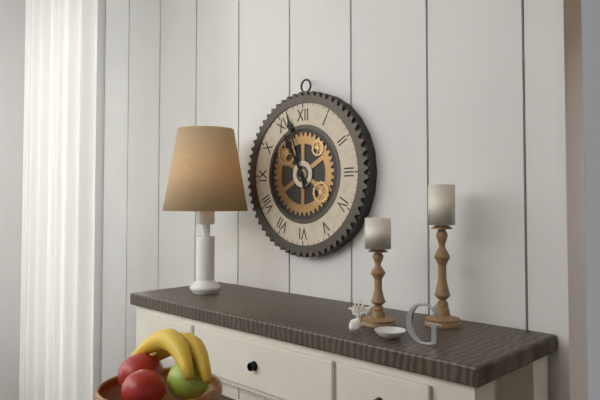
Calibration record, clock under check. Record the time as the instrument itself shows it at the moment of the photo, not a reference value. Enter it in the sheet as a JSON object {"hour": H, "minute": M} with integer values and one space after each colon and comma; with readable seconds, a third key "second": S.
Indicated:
{"hour": 10, "minute": 57}
